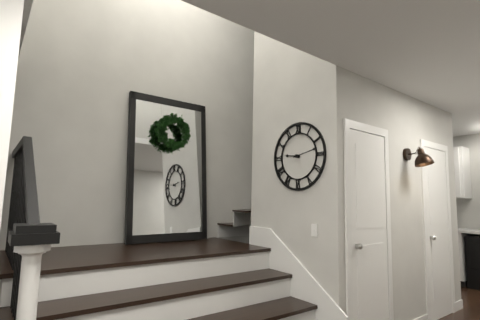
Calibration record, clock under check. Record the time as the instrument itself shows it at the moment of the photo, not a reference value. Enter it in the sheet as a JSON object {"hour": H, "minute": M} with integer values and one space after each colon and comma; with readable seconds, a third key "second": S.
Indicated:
{"hour": 9, "minute": 13}
